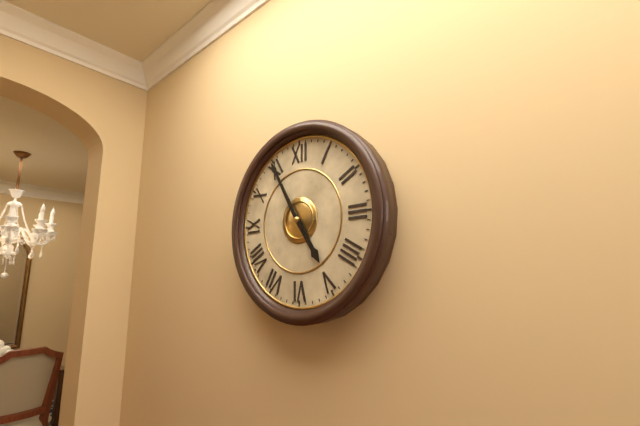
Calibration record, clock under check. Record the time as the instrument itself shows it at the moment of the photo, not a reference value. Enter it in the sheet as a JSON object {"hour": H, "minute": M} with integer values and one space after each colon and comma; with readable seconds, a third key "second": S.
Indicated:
{"hour": 4, "minute": 55}
